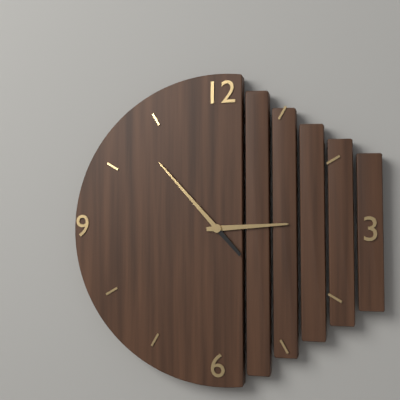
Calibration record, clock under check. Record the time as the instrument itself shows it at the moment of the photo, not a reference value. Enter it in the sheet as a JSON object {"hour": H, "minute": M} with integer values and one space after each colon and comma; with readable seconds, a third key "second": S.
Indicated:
{"hour": 2, "minute": 53}
